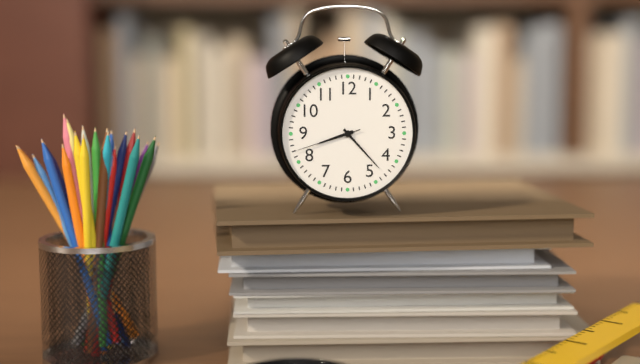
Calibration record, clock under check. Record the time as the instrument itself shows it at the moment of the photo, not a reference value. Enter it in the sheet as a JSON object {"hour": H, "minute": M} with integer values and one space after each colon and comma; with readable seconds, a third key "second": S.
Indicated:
{"hour": 8, "minute": 23, "second": 42}
